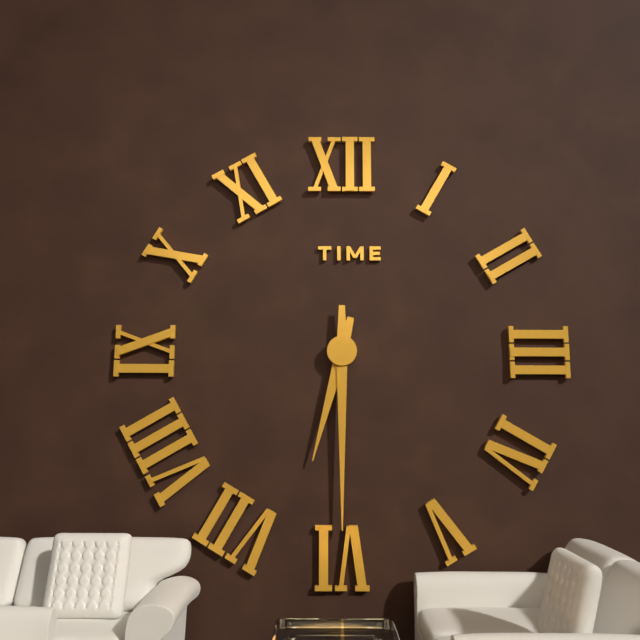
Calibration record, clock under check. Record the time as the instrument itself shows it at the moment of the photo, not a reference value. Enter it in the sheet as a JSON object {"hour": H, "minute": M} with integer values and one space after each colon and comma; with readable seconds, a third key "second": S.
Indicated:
{"hour": 6, "minute": 30}
